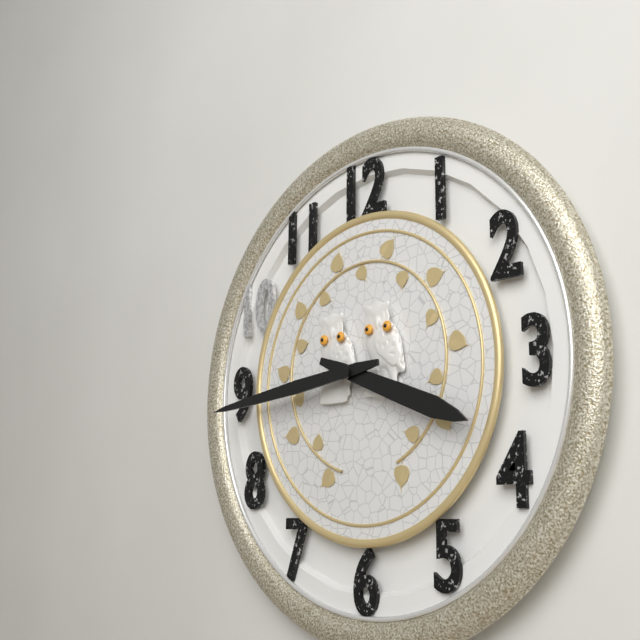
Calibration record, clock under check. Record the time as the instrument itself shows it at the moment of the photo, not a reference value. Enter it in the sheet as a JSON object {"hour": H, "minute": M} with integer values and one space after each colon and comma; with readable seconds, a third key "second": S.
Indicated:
{"hour": 3, "minute": 44}
